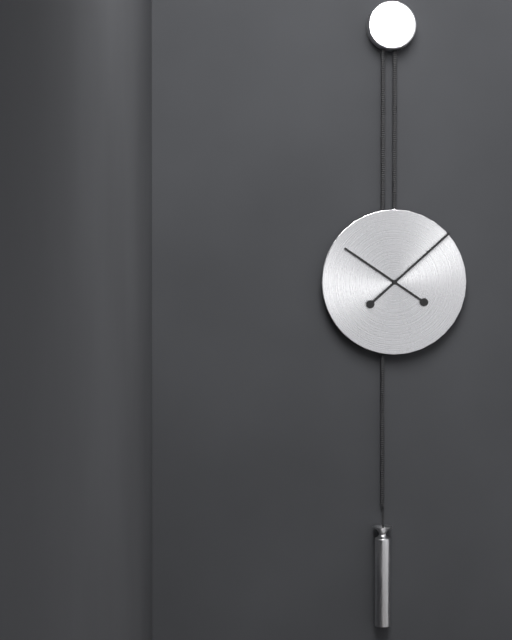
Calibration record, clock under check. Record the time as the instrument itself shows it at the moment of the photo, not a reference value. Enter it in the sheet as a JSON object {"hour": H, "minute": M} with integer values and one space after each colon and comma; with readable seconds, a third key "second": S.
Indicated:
{"hour": 10, "minute": 8}
